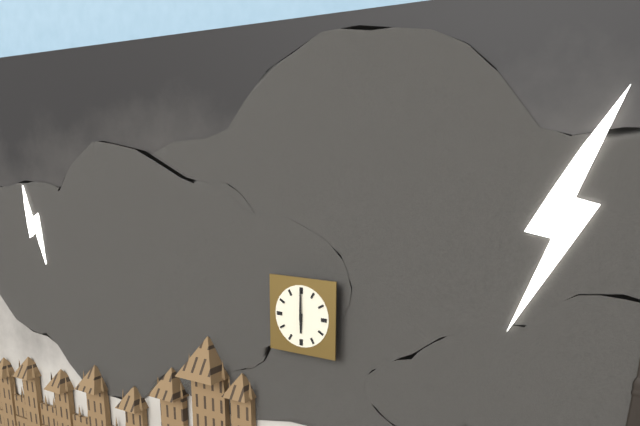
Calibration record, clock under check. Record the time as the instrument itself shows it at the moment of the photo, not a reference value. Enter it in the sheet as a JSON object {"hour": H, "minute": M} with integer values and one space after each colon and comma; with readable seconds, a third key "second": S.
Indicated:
{"hour": 6, "minute": 0}
